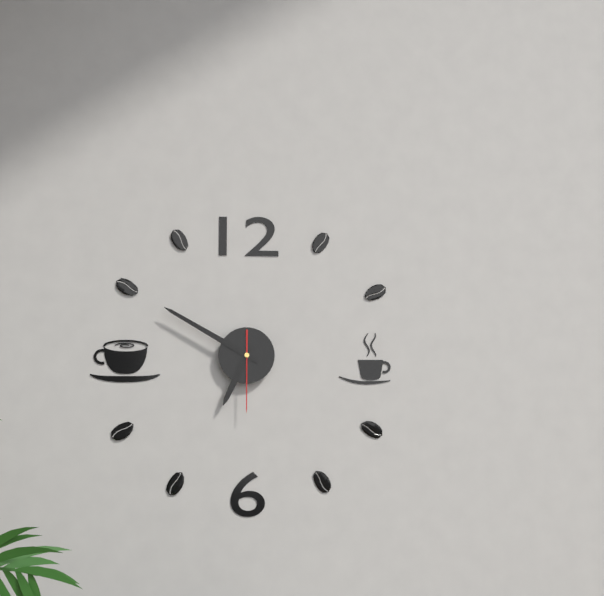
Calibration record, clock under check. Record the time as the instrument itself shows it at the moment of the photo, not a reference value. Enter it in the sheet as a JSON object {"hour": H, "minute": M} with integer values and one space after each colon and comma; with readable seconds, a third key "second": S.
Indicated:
{"hour": 6, "minute": 50, "second": 30}
